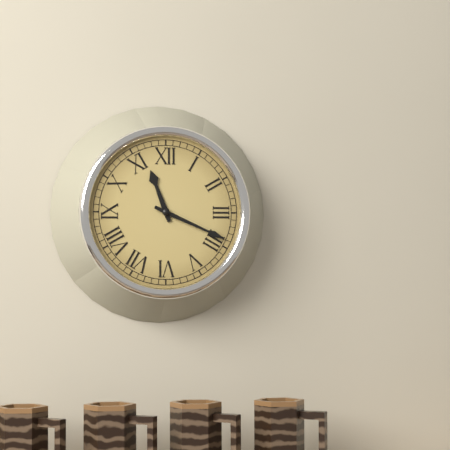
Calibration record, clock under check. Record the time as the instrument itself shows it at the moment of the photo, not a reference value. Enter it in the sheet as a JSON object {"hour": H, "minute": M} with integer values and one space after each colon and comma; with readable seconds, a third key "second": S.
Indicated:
{"hour": 11, "minute": 19}
